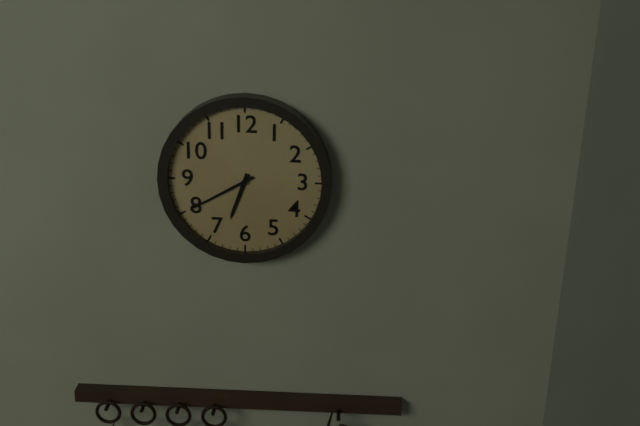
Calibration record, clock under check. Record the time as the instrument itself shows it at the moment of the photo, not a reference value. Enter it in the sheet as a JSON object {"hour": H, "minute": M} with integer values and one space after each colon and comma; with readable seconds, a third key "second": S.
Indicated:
{"hour": 6, "minute": 40}
